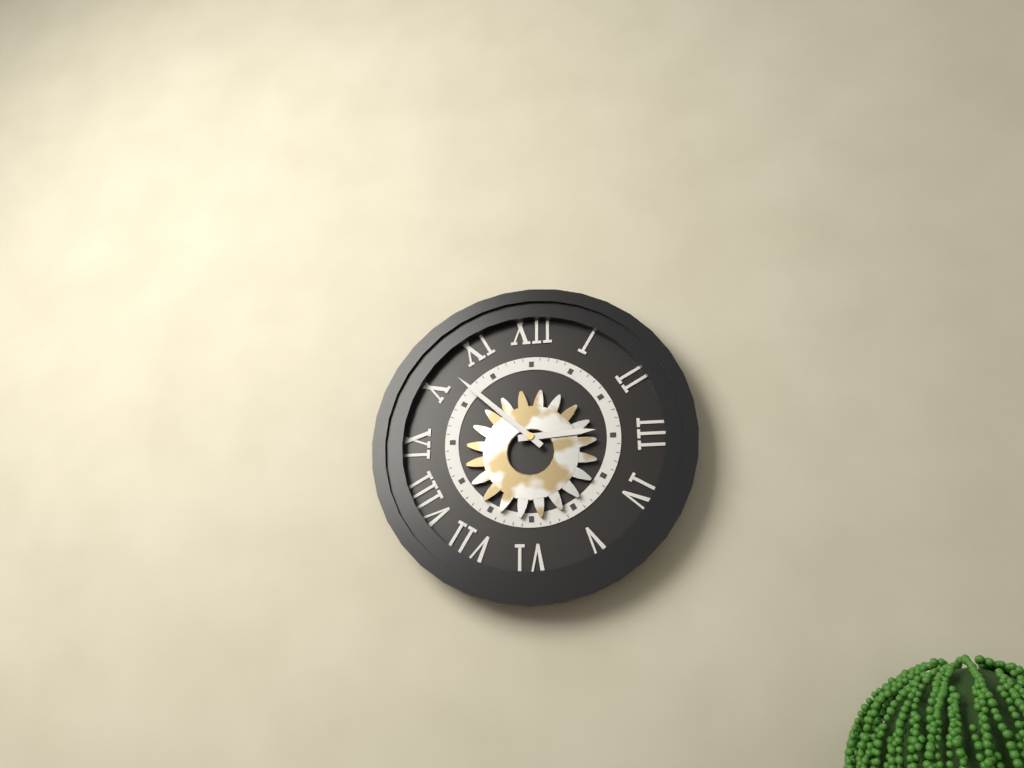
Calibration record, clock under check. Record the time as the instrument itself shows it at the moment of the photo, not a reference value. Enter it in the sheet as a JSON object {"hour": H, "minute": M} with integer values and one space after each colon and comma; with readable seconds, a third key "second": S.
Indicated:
{"hour": 2, "minute": 52}
